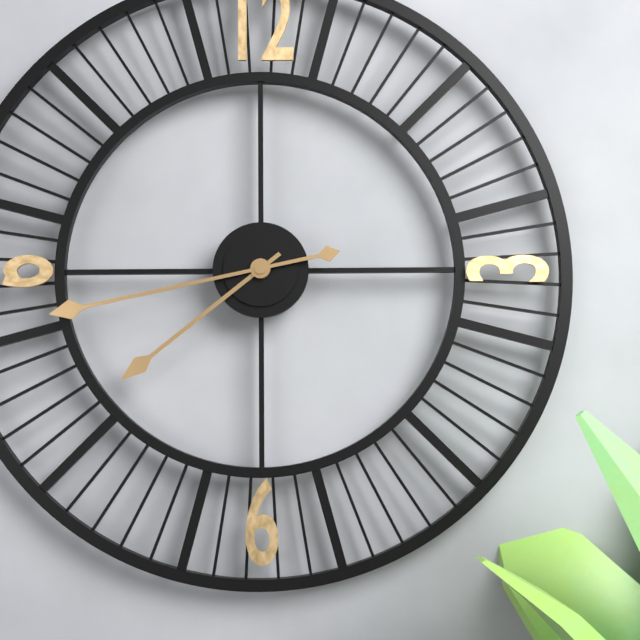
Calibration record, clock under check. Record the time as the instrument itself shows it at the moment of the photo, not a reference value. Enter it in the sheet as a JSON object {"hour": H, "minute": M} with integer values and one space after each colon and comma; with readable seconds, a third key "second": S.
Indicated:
{"hour": 7, "minute": 43}
